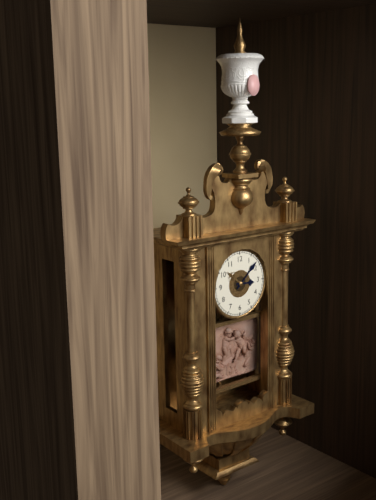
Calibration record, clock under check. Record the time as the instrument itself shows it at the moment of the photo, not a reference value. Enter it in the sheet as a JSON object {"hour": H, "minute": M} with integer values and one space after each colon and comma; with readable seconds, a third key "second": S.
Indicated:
{"hour": 3, "minute": 8}
